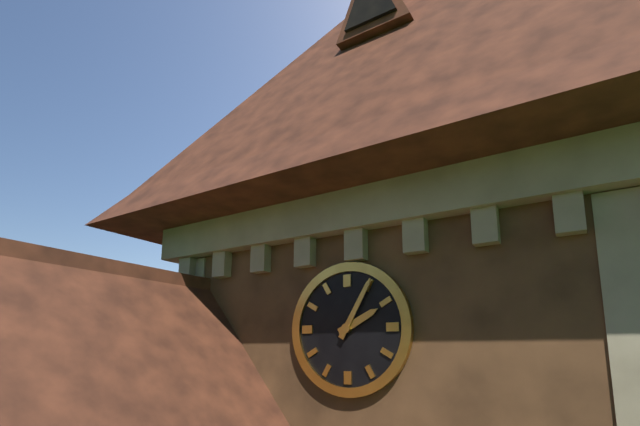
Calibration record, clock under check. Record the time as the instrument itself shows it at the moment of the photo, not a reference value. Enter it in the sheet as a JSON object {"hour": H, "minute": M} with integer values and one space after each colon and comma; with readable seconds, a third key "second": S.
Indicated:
{"hour": 2, "minute": 5}
